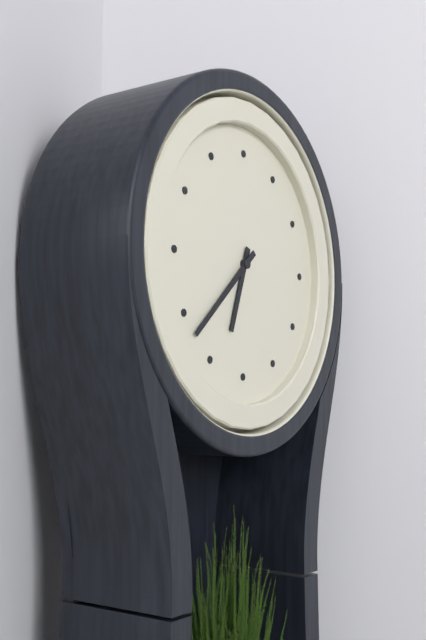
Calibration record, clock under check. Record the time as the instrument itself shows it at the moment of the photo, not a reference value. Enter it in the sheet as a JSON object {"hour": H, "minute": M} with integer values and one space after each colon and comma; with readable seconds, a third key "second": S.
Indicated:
{"hour": 6, "minute": 38}
